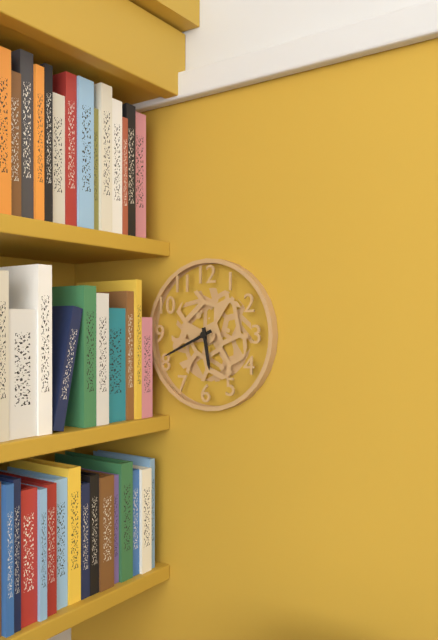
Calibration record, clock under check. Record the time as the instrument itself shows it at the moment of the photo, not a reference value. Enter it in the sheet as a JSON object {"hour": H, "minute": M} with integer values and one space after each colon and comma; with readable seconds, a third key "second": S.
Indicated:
{"hour": 5, "minute": 41}
